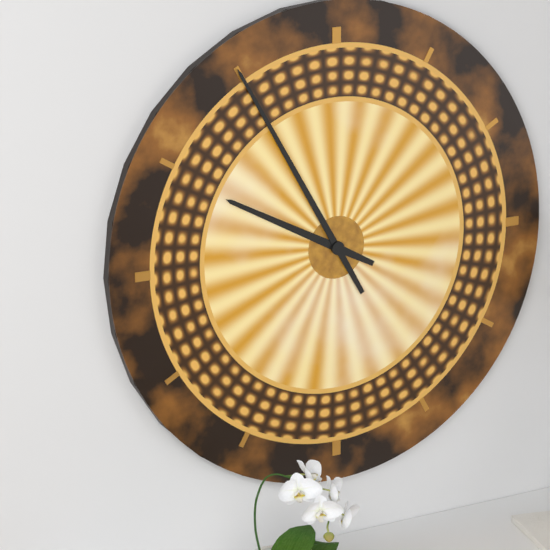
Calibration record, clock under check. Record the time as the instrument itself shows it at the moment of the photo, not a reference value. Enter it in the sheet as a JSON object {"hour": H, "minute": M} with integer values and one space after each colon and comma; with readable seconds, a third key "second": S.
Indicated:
{"hour": 9, "minute": 55}
